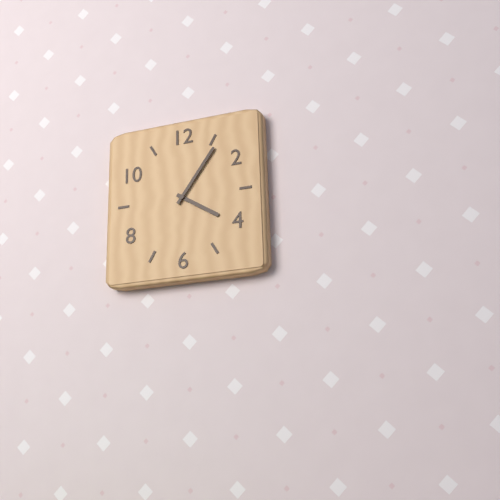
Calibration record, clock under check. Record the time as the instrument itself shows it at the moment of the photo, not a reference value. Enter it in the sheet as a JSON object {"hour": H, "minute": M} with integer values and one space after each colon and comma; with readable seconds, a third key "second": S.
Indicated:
{"hour": 4, "minute": 6}
